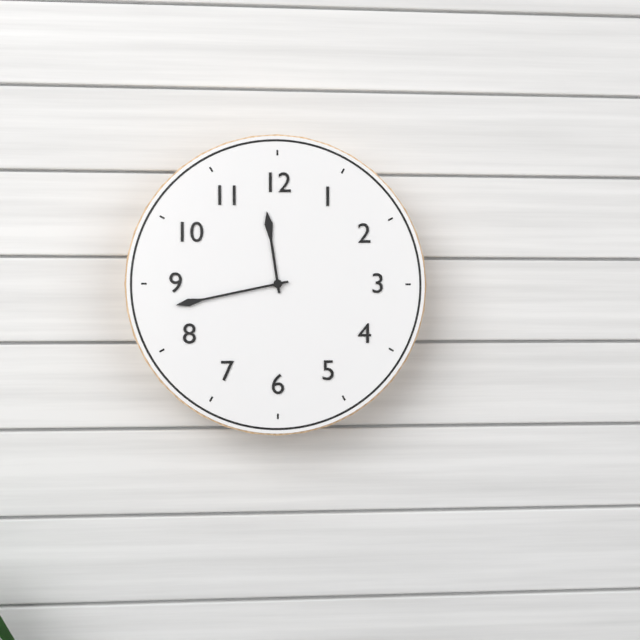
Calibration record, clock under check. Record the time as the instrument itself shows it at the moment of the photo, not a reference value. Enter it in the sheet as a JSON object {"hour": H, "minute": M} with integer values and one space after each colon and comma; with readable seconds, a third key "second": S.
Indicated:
{"hour": 11, "minute": 43}
